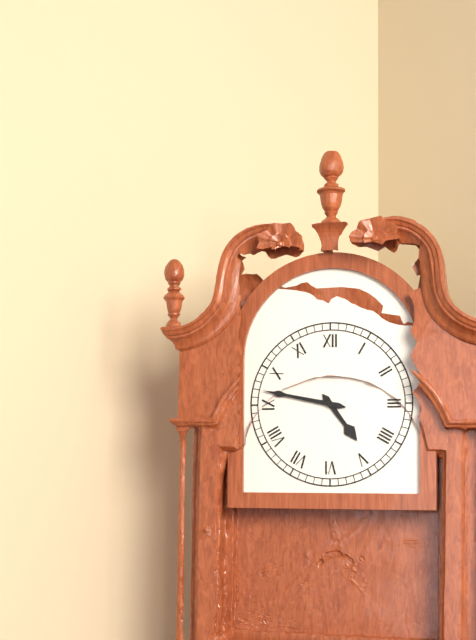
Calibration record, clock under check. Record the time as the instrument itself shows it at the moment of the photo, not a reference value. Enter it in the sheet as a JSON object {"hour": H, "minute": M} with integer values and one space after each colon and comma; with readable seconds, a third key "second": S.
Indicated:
{"hour": 4, "minute": 47}
